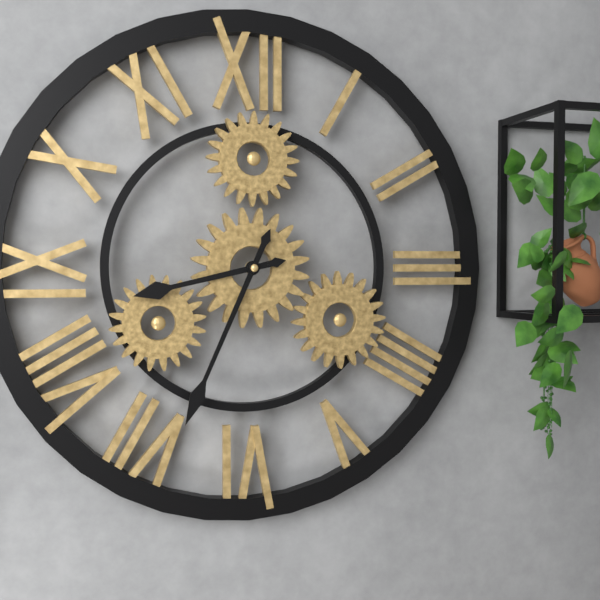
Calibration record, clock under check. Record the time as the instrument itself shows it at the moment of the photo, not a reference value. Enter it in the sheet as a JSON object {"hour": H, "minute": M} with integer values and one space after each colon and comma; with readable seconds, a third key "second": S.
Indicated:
{"hour": 8, "minute": 34}
